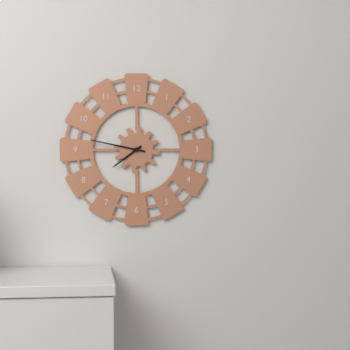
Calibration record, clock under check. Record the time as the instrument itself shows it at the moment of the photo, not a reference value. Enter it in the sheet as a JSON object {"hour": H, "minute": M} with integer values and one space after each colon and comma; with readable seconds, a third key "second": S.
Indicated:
{"hour": 7, "minute": 47}
